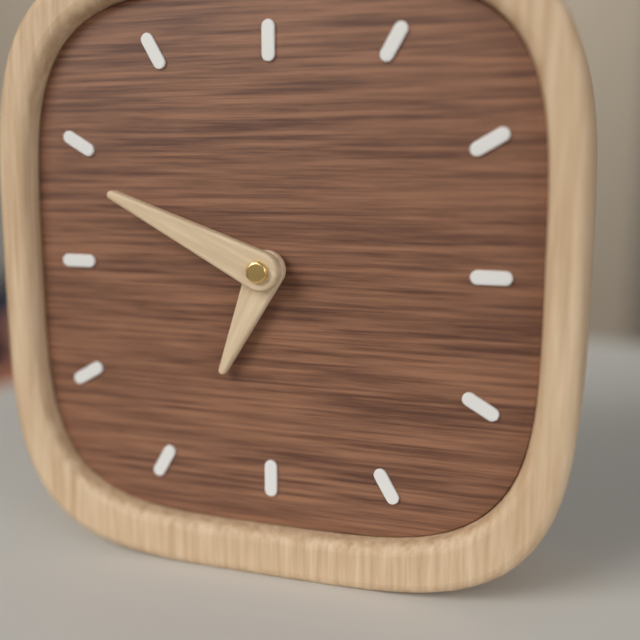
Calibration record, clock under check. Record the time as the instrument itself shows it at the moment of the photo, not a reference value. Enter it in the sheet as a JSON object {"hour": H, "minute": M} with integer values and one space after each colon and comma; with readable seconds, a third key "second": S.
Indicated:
{"hour": 6, "minute": 49}
